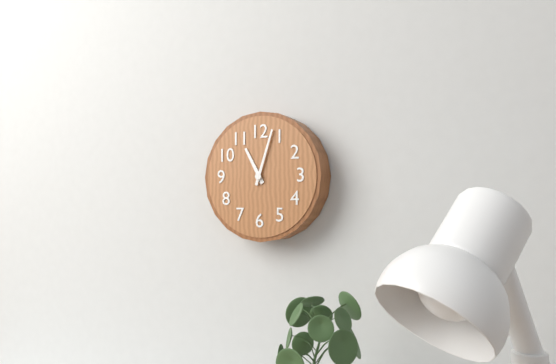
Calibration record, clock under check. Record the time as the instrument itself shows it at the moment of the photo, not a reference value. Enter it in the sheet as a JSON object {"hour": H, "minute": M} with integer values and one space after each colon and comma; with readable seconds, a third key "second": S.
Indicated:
{"hour": 11, "minute": 3}
